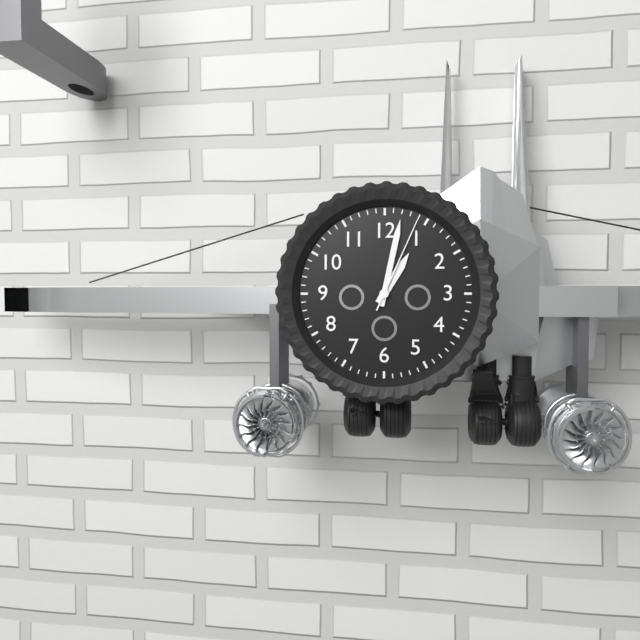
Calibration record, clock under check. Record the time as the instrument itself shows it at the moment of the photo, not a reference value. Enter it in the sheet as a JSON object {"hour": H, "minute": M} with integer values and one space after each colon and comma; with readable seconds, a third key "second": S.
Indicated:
{"hour": 1, "minute": 2, "second": 4}
